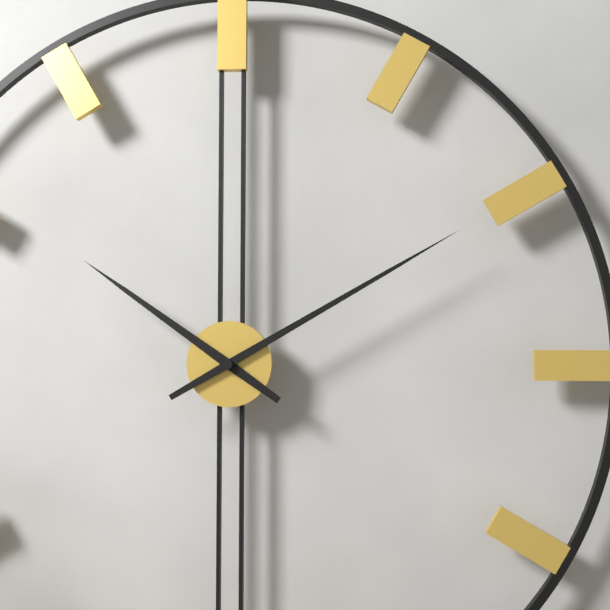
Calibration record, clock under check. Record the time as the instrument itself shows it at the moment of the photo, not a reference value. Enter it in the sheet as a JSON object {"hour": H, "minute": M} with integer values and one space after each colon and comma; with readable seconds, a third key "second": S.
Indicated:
{"hour": 10, "minute": 10}
